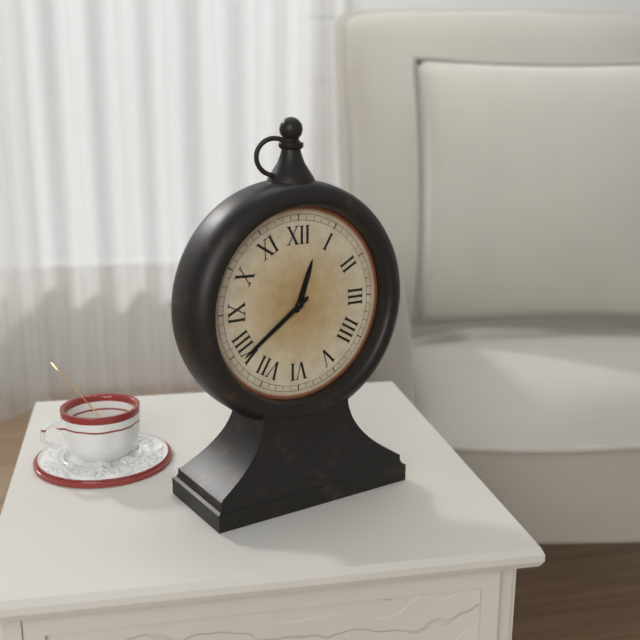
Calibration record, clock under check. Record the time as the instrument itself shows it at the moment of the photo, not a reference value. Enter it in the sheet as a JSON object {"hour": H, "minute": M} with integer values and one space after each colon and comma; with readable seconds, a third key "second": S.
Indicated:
{"hour": 12, "minute": 39}
